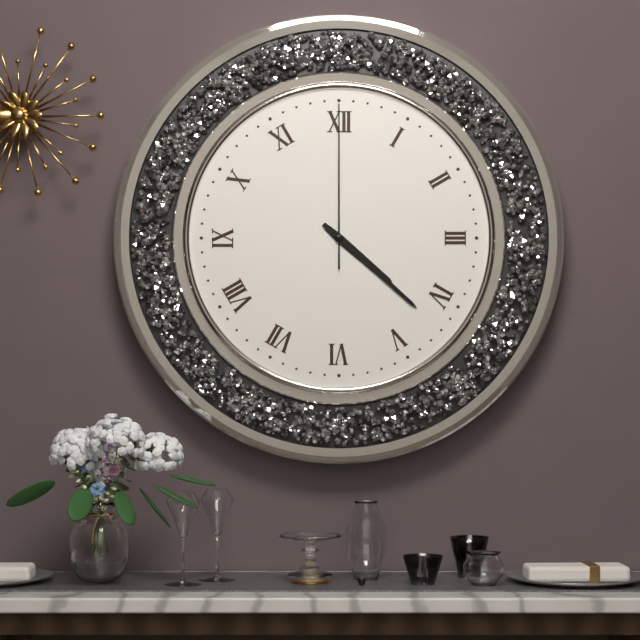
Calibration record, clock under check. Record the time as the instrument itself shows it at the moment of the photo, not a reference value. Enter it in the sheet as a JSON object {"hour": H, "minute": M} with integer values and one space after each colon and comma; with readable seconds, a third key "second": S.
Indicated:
{"hour": 4, "minute": 22, "second": 0}
